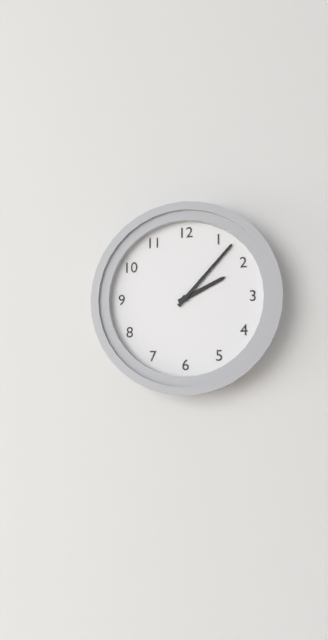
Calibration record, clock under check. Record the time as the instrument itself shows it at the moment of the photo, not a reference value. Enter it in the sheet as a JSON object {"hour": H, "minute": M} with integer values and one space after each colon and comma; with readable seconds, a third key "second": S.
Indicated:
{"hour": 2, "minute": 7}
